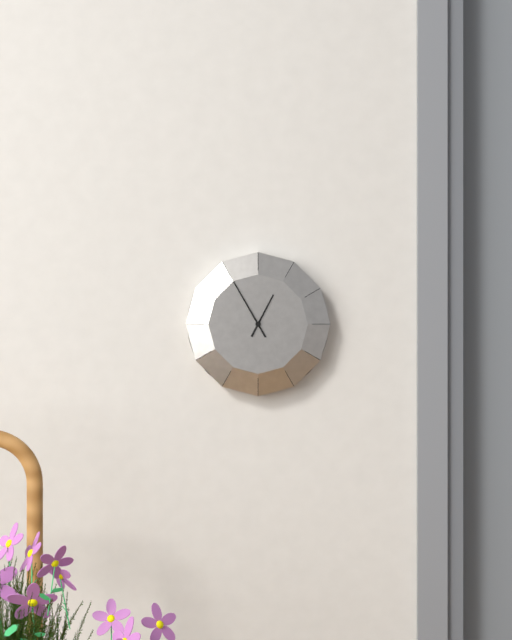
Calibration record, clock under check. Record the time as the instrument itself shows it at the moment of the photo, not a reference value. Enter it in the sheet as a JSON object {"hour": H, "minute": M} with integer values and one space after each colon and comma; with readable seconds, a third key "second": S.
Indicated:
{"hour": 12, "minute": 55}
